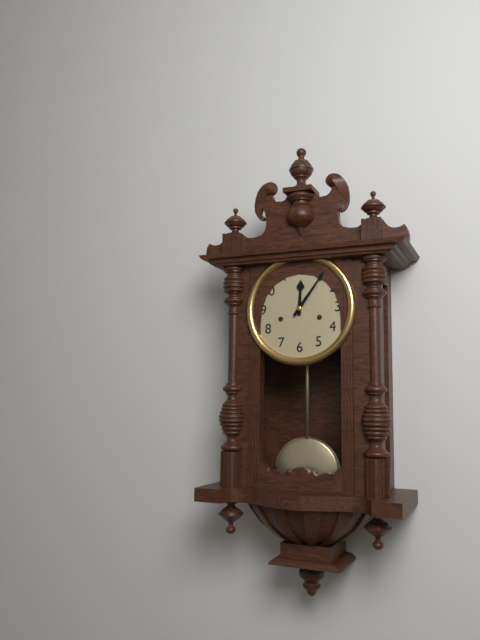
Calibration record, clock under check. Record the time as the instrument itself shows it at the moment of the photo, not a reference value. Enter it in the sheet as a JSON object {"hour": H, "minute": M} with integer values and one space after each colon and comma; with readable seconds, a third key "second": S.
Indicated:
{"hour": 12, "minute": 6}
